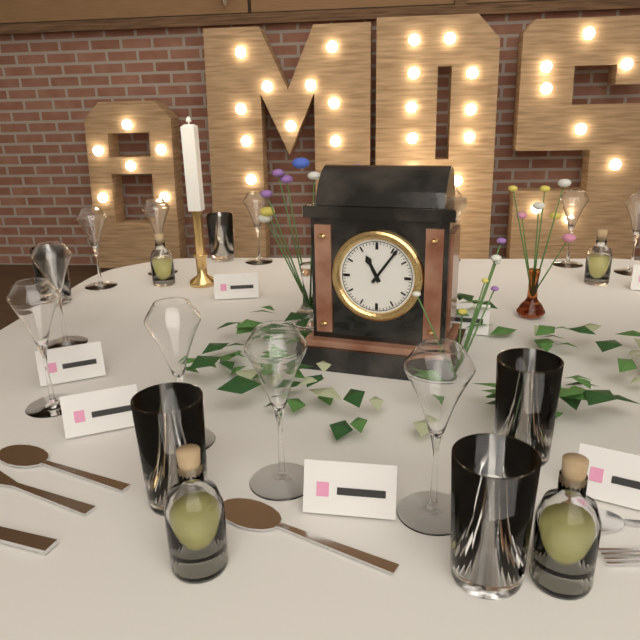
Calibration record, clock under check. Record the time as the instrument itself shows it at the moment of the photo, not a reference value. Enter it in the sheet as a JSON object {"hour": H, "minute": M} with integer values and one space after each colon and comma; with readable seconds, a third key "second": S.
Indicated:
{"hour": 11, "minute": 6}
